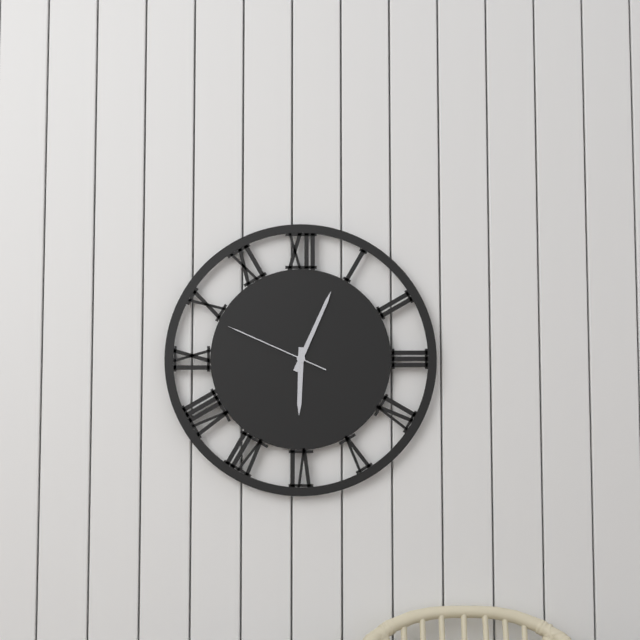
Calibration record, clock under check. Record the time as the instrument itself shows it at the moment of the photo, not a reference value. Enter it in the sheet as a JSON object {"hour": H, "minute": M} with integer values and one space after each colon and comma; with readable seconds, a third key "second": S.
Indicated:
{"hour": 6, "minute": 4, "second": 49}
